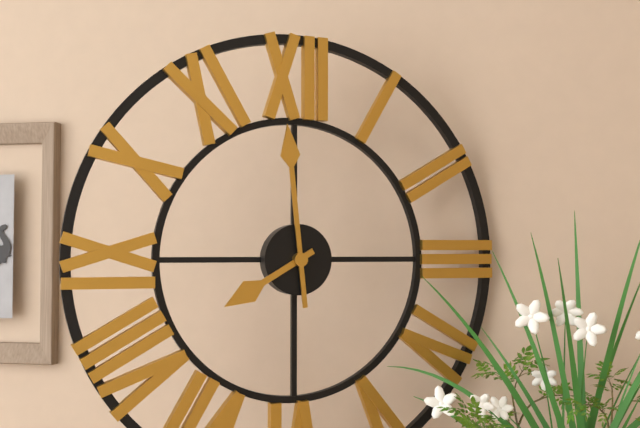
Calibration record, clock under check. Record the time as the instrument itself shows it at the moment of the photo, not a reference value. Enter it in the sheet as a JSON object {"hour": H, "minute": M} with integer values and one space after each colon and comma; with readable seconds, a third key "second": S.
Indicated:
{"hour": 7, "minute": 59}
